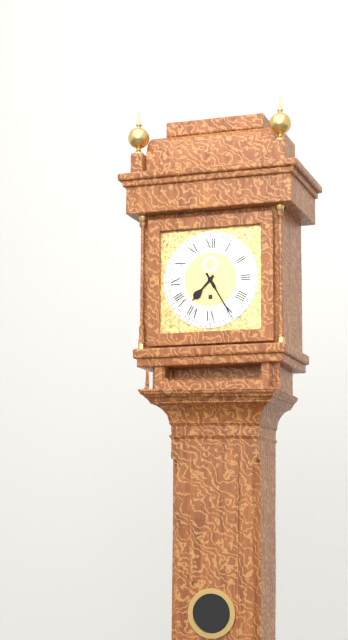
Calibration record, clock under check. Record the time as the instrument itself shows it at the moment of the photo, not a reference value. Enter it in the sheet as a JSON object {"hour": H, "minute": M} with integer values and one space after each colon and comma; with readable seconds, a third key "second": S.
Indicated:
{"hour": 7, "minute": 25}
